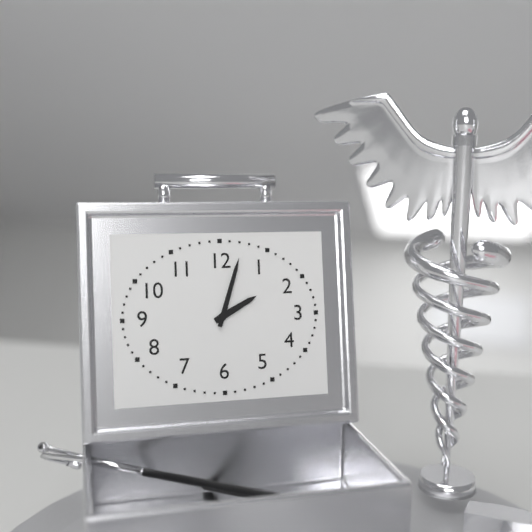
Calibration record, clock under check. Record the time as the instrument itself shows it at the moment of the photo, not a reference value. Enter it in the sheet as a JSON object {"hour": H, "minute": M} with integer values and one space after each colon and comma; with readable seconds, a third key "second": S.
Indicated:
{"hour": 2, "minute": 3}
